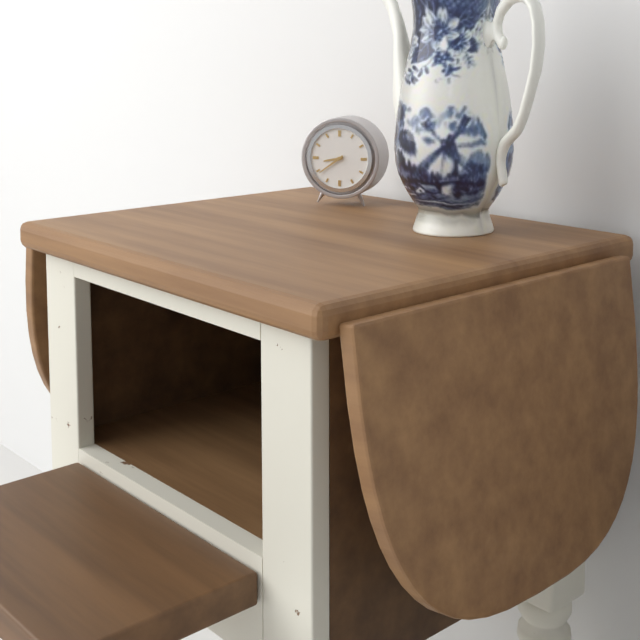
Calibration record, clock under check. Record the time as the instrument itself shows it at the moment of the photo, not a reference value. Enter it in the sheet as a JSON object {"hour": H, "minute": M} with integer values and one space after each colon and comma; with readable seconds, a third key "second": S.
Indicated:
{"hour": 8, "minute": 39}
